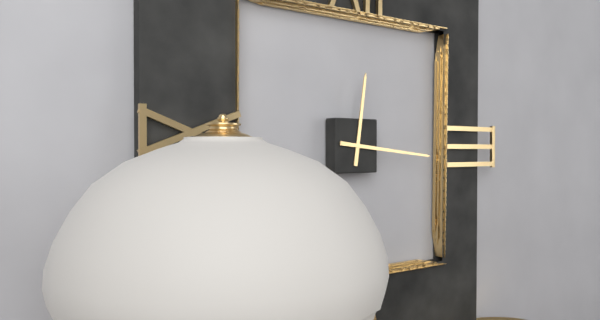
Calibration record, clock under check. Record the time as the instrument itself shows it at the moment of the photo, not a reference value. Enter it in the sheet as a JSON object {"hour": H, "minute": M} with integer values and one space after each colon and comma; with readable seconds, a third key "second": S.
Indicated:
{"hour": 12, "minute": 16}
